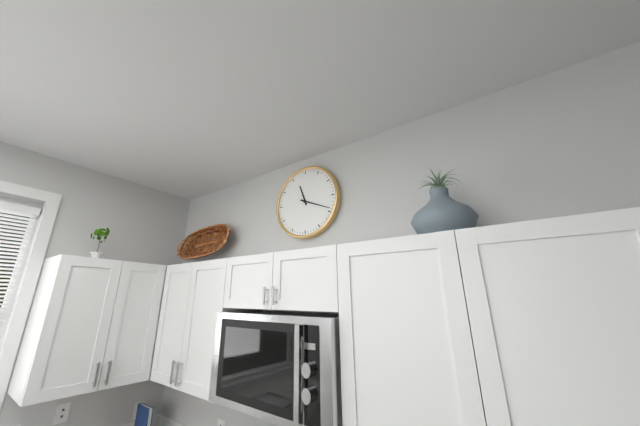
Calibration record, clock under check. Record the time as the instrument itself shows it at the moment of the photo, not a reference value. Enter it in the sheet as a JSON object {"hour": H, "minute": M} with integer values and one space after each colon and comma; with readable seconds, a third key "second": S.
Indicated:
{"hour": 11, "minute": 19}
